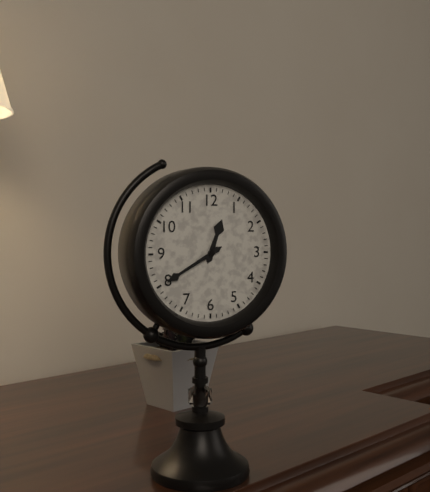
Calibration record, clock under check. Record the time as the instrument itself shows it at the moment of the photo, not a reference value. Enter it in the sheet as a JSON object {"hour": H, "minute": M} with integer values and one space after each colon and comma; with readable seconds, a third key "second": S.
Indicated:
{"hour": 12, "minute": 40}
